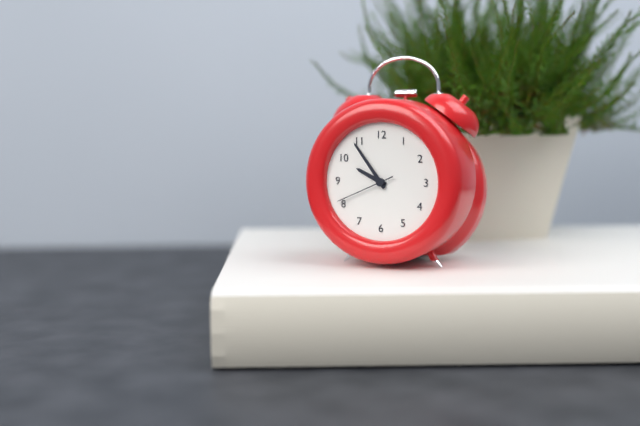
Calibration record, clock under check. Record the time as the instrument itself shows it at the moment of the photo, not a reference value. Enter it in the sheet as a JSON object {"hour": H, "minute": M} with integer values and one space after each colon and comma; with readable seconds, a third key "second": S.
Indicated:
{"hour": 9, "minute": 54, "second": 41}
